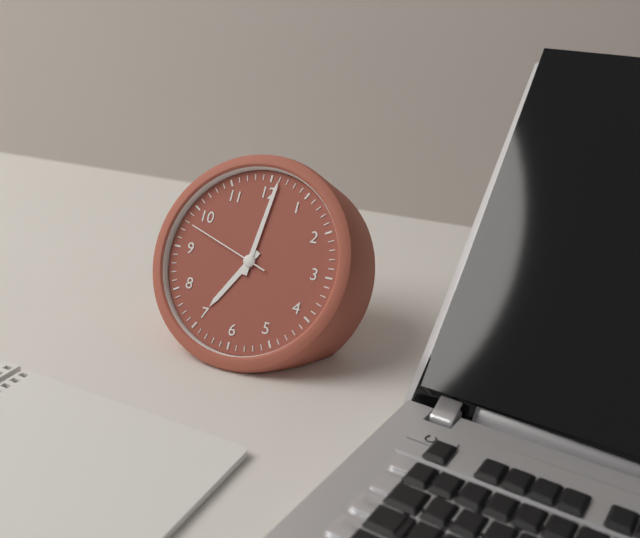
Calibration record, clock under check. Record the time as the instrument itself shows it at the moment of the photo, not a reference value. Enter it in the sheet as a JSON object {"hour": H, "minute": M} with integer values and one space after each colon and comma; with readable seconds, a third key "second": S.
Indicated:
{"hour": 7, "minute": 1, "second": 48}
